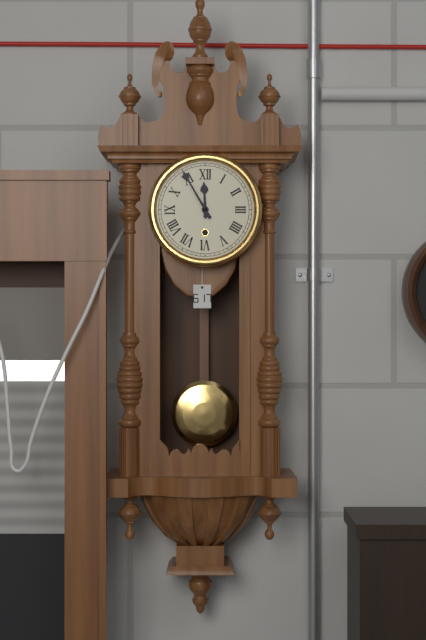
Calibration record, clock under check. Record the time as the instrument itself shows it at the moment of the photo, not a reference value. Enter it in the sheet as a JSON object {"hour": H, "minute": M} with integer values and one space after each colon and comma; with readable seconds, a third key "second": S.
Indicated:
{"hour": 11, "minute": 55}
